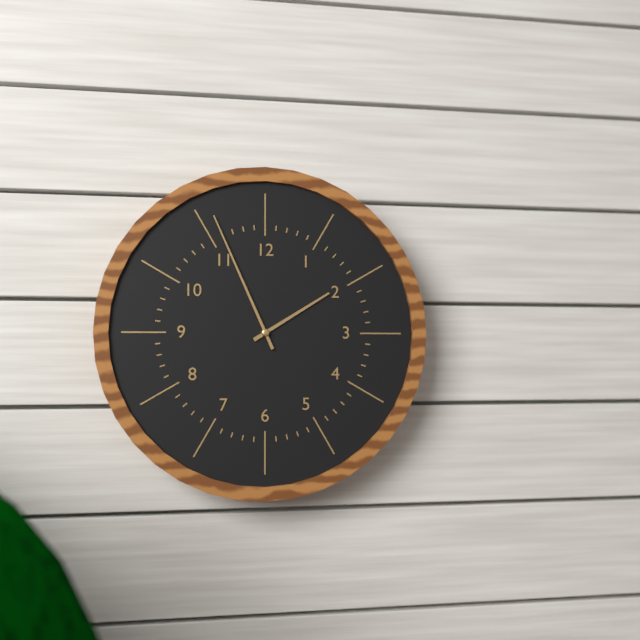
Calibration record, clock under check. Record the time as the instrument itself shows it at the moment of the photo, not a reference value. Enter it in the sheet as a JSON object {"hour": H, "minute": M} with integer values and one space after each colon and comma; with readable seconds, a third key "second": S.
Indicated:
{"hour": 1, "minute": 56}
